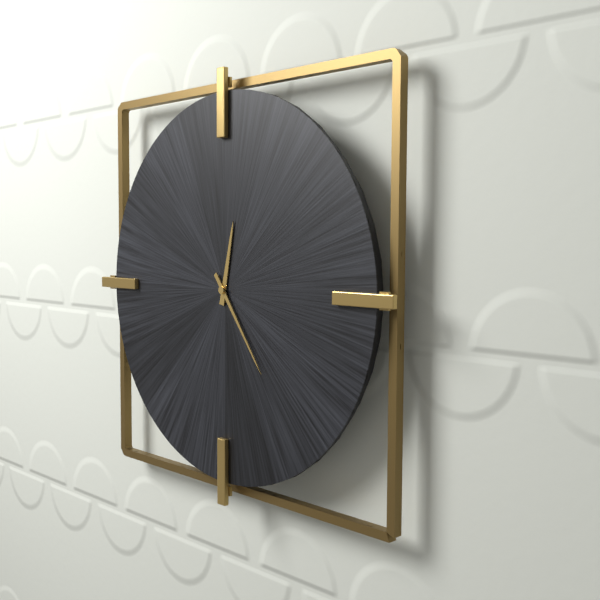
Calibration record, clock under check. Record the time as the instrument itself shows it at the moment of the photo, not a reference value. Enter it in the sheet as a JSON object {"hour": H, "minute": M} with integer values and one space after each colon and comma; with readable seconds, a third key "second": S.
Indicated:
{"hour": 12, "minute": 24}
